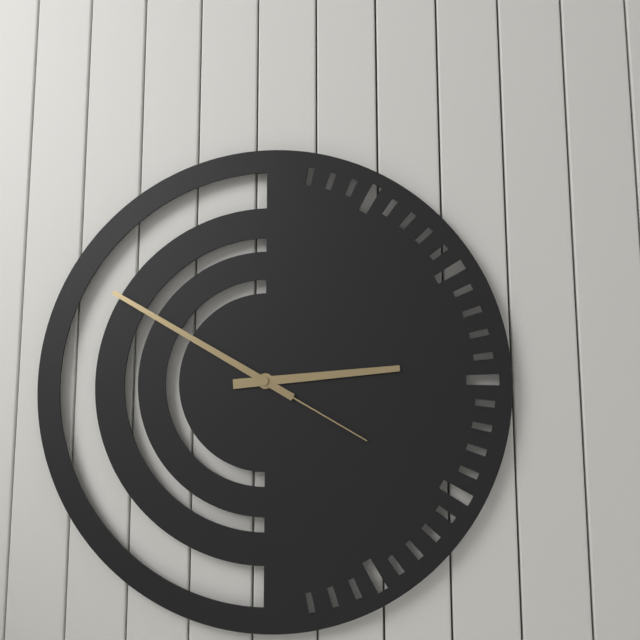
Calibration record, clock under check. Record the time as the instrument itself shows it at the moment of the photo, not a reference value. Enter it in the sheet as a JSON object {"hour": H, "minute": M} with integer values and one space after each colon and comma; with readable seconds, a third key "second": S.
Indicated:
{"hour": 2, "minute": 50, "second": 20}
